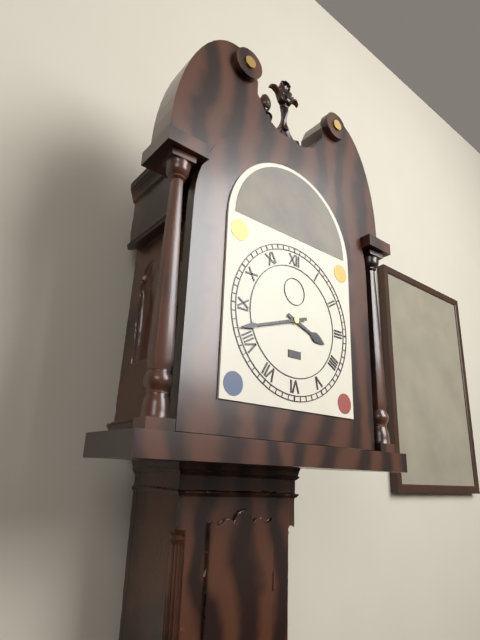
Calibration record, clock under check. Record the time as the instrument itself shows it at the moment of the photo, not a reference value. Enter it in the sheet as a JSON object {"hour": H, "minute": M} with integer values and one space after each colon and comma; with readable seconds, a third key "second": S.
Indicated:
{"hour": 3, "minute": 42}
